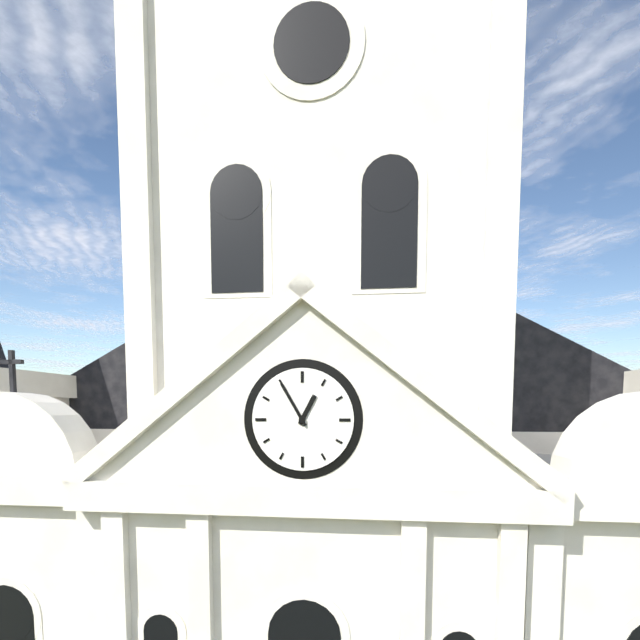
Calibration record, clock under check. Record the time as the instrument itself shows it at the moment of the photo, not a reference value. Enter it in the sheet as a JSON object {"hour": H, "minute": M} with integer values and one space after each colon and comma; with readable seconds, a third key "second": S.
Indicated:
{"hour": 12, "minute": 55}
